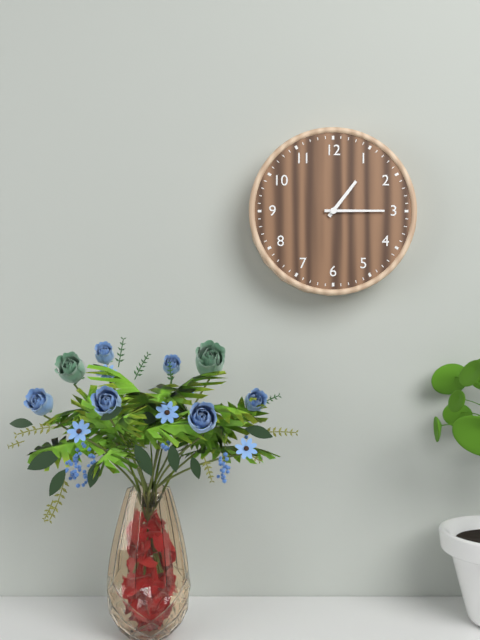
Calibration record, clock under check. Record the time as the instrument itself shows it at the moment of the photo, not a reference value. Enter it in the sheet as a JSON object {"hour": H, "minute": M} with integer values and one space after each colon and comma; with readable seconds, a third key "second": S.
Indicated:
{"hour": 1, "minute": 15}
